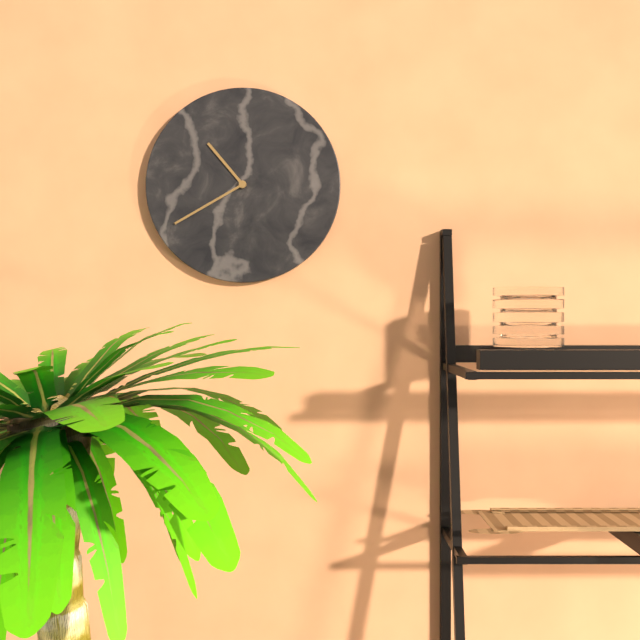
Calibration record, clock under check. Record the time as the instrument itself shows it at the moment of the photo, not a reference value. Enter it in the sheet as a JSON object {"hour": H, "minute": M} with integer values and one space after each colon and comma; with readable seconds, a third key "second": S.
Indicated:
{"hour": 10, "minute": 40}
